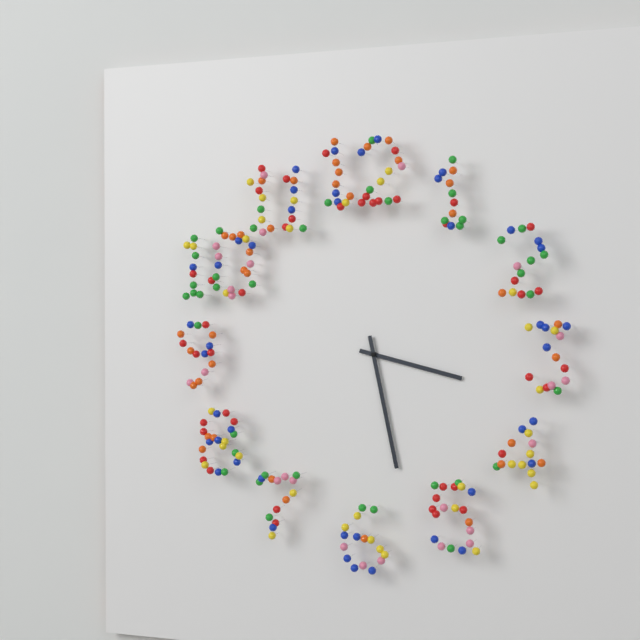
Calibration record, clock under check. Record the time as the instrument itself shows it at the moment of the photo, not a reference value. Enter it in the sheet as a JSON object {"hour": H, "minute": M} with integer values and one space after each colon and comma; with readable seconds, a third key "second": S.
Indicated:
{"hour": 3, "minute": 28}
